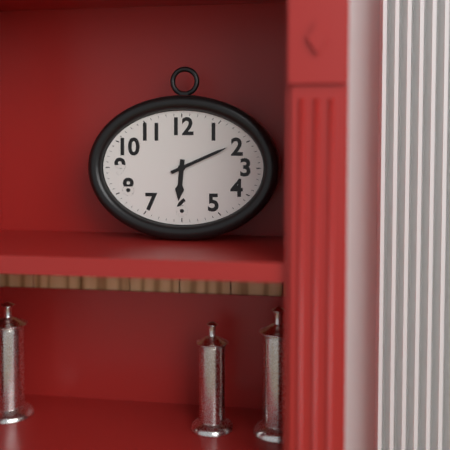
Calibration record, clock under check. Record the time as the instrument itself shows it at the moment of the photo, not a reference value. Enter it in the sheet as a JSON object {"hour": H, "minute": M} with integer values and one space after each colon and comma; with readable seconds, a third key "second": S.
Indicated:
{"hour": 6, "minute": 11}
